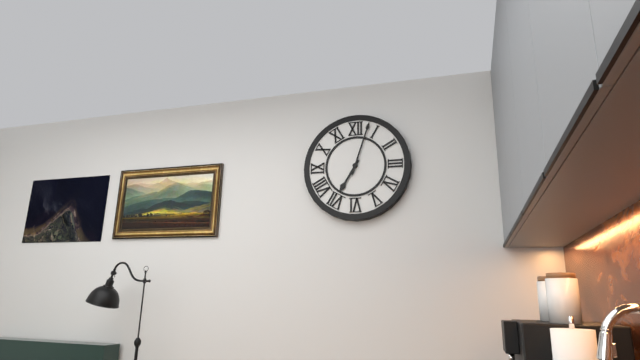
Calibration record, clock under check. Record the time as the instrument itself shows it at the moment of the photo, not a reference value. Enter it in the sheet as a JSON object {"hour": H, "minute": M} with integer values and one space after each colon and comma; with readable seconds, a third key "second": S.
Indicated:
{"hour": 7, "minute": 3}
